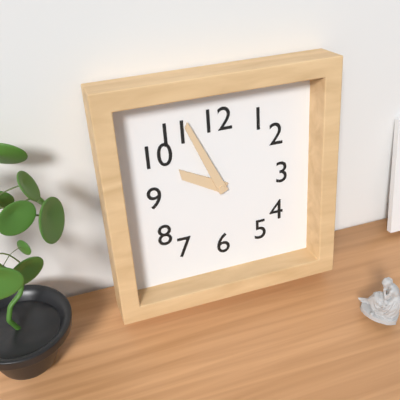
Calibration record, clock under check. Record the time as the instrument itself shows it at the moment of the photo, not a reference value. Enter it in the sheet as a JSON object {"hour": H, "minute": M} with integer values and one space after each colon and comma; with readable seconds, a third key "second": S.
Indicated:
{"hour": 9, "minute": 56}
